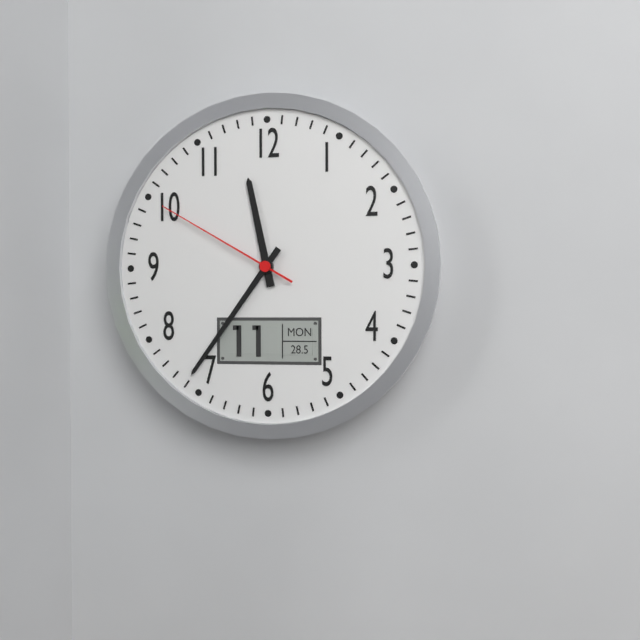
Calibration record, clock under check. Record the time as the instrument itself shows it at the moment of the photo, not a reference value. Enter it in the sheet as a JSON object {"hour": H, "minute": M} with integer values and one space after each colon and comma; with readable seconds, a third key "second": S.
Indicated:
{"hour": 11, "minute": 36, "second": 50}
